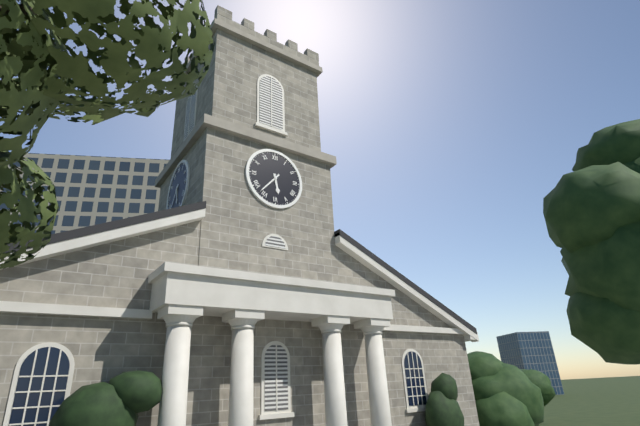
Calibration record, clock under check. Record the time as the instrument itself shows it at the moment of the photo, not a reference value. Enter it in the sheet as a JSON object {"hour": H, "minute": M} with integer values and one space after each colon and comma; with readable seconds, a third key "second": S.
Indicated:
{"hour": 5, "minute": 37}
